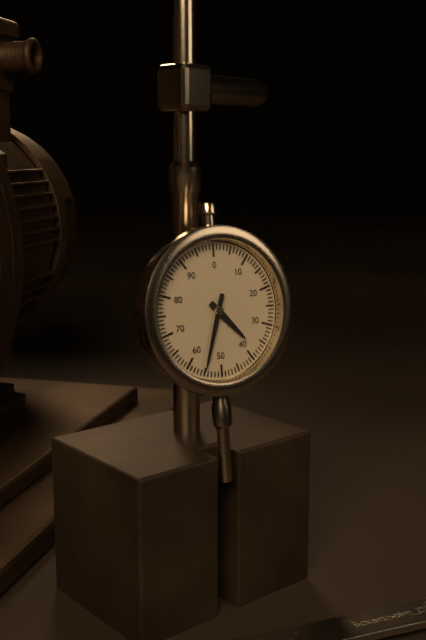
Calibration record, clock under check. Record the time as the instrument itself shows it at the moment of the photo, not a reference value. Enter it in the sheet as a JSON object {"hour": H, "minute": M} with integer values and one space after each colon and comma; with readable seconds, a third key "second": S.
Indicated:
{"hour": 4, "minute": 33}
